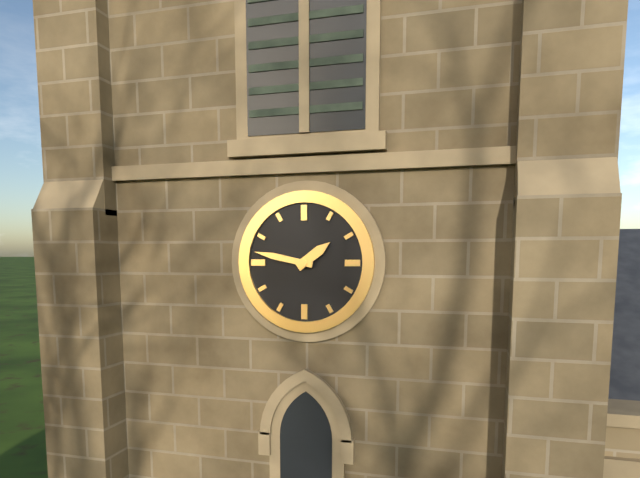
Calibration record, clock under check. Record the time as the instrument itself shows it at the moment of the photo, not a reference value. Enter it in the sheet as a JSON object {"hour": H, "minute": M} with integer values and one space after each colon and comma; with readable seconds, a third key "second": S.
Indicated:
{"hour": 1, "minute": 47}
